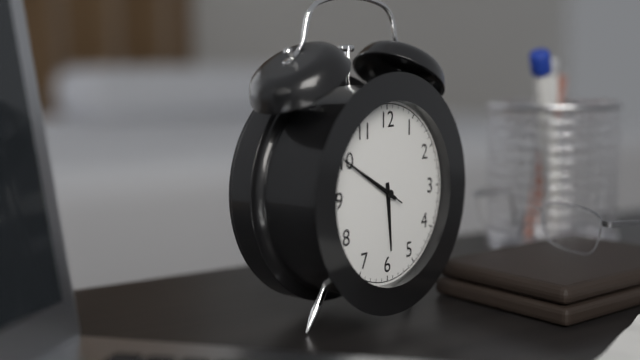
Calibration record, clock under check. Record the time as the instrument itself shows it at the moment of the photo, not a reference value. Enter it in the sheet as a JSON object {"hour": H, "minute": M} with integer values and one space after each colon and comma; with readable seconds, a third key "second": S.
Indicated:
{"hour": 5, "minute": 50, "second": 50}
